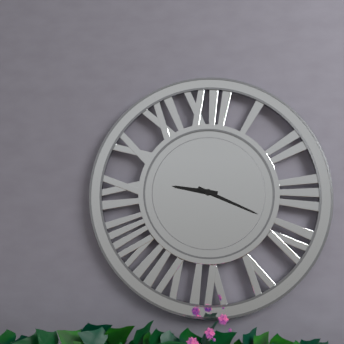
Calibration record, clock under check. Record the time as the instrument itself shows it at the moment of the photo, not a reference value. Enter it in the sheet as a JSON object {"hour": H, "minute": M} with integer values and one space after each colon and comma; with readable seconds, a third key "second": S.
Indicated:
{"hour": 9, "minute": 19}
